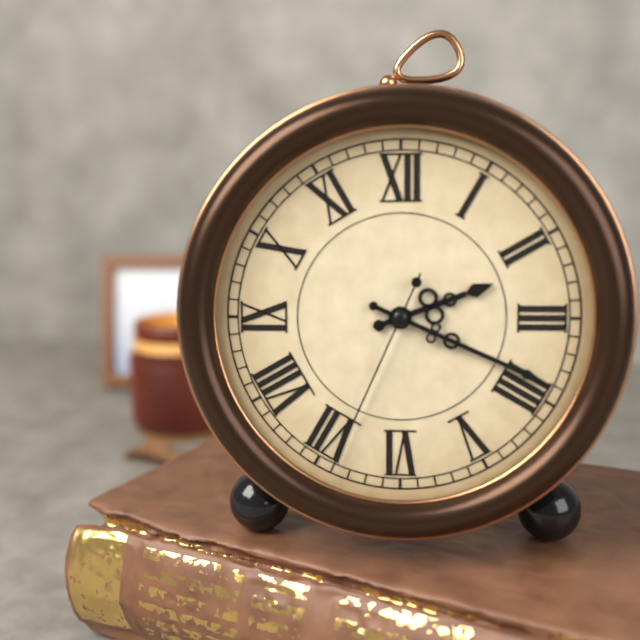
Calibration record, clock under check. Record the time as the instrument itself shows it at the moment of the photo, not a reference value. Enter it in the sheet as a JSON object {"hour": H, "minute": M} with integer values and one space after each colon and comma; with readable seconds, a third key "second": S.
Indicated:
{"hour": 2, "minute": 19, "second": 34}
